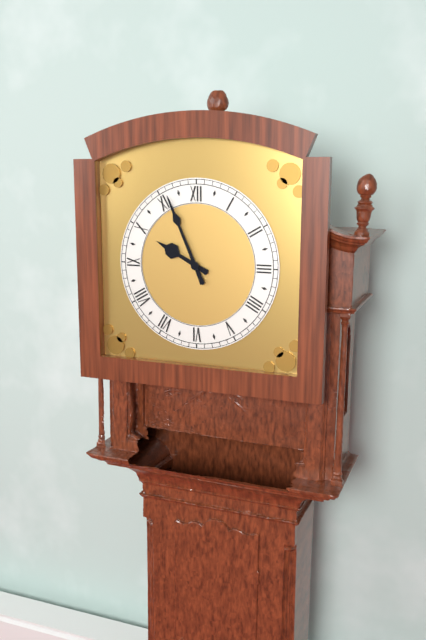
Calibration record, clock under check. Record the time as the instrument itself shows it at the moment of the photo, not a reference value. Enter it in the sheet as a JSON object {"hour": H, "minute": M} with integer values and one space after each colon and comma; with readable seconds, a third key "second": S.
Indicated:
{"hour": 9, "minute": 56}
